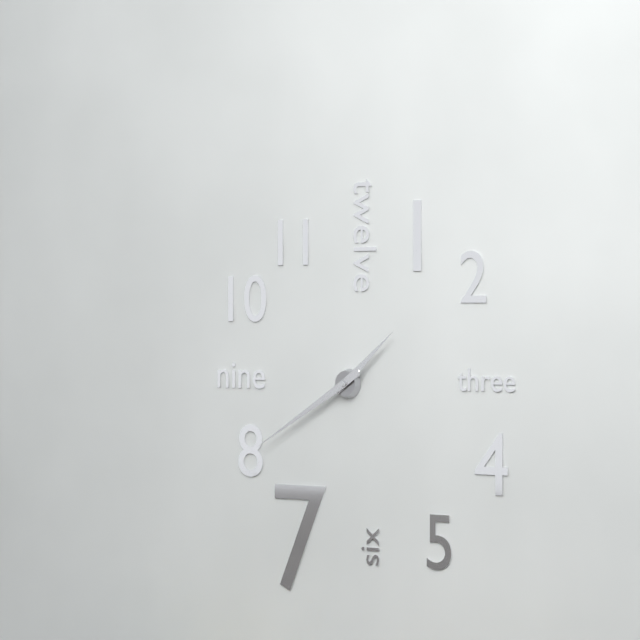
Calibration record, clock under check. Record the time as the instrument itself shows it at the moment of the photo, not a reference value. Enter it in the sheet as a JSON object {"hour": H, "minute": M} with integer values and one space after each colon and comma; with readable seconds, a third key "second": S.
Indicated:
{"hour": 1, "minute": 40}
